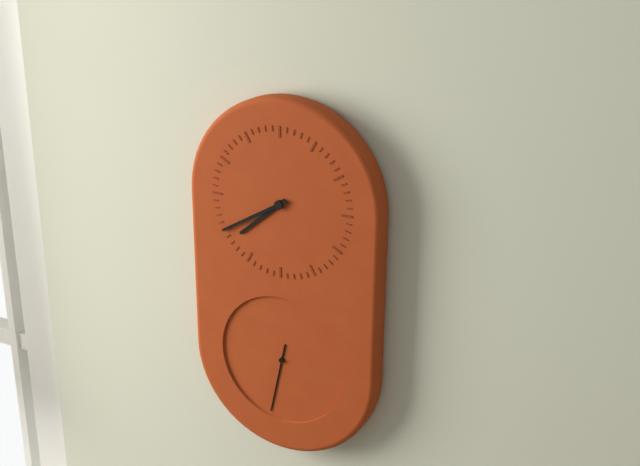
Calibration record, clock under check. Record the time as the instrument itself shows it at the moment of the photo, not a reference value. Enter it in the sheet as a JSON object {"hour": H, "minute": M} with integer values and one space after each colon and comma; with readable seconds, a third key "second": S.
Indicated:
{"hour": 7, "minute": 40, "second": 32}
